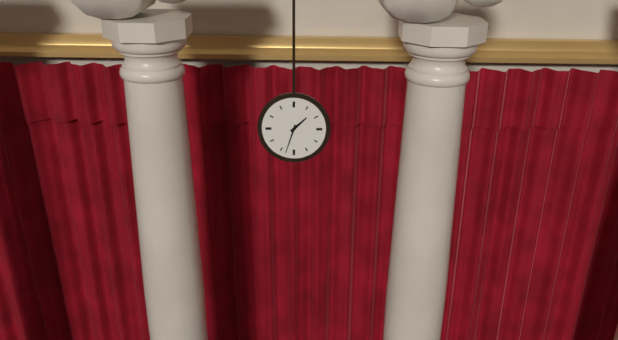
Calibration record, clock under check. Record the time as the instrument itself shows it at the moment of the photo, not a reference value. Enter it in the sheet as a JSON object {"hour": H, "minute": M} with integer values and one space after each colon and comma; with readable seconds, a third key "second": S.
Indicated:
{"hour": 1, "minute": 33}
